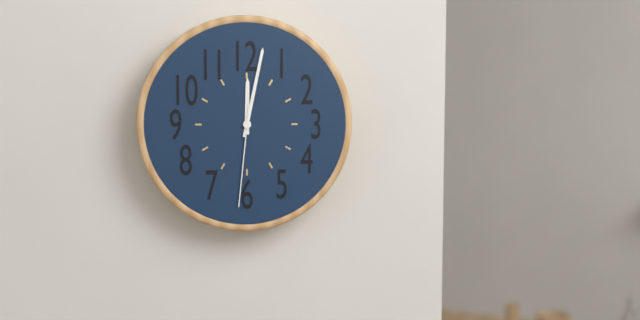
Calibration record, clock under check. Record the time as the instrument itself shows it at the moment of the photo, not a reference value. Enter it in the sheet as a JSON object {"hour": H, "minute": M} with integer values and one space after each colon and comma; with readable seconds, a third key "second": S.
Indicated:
{"hour": 12, "minute": 2, "second": 31}
